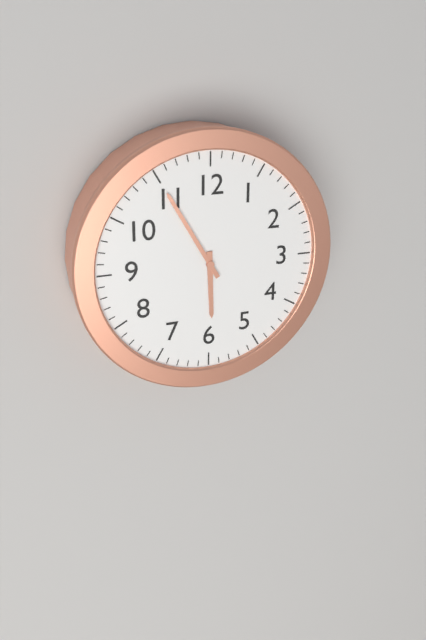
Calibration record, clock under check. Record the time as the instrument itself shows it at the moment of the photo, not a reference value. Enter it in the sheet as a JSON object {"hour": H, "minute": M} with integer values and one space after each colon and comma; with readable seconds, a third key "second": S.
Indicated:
{"hour": 5, "minute": 55}
